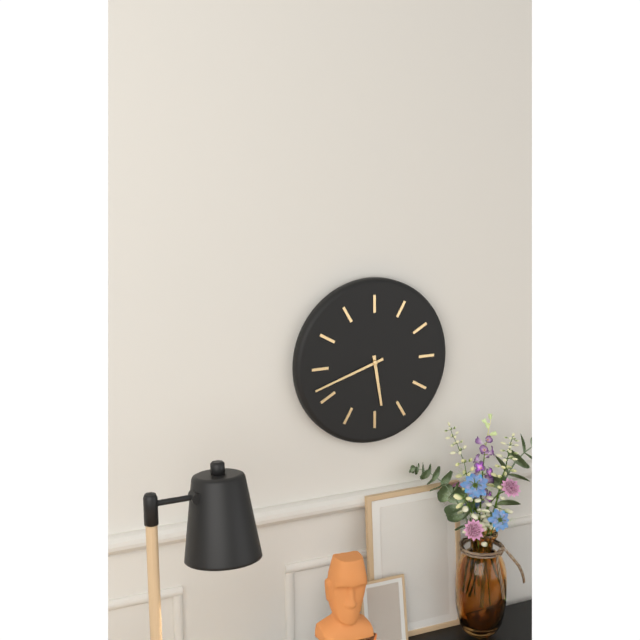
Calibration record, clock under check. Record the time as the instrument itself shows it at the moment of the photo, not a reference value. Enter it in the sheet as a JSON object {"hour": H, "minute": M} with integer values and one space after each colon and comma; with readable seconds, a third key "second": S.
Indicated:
{"hour": 5, "minute": 42}
